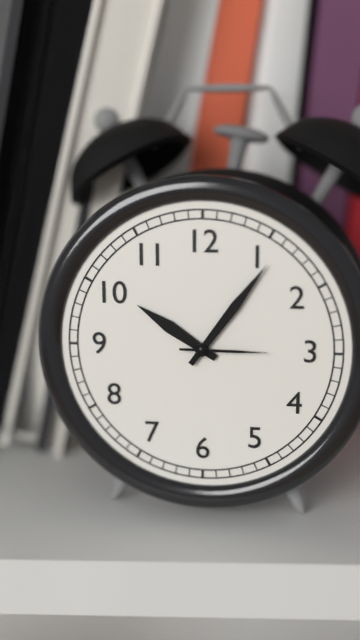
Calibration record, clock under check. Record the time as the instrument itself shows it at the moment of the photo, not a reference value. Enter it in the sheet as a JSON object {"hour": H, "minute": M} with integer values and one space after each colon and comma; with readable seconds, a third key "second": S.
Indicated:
{"hour": 10, "minute": 6, "second": 15}
